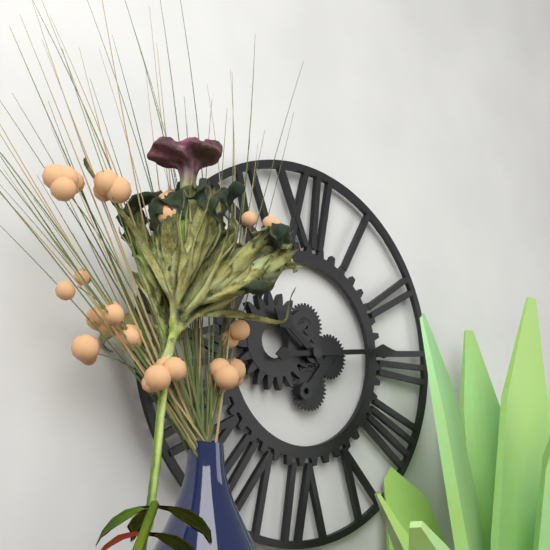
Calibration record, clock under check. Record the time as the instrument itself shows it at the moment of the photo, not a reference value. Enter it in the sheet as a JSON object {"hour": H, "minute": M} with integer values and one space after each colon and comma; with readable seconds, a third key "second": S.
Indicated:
{"hour": 10, "minute": 14}
